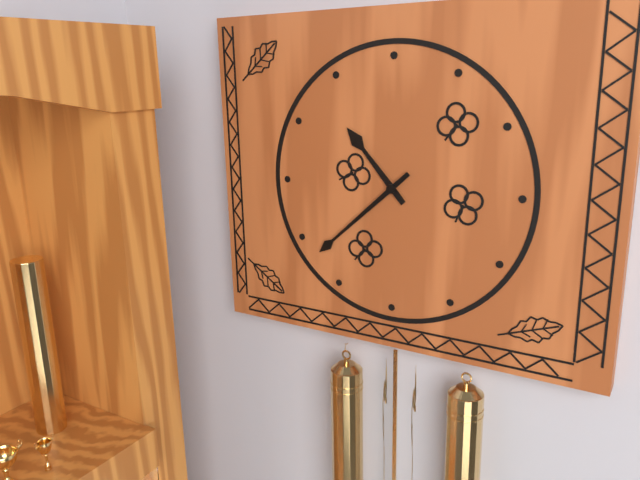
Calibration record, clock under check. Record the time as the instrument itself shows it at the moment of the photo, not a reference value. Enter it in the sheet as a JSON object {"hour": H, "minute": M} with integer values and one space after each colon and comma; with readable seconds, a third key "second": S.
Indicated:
{"hour": 10, "minute": 38}
